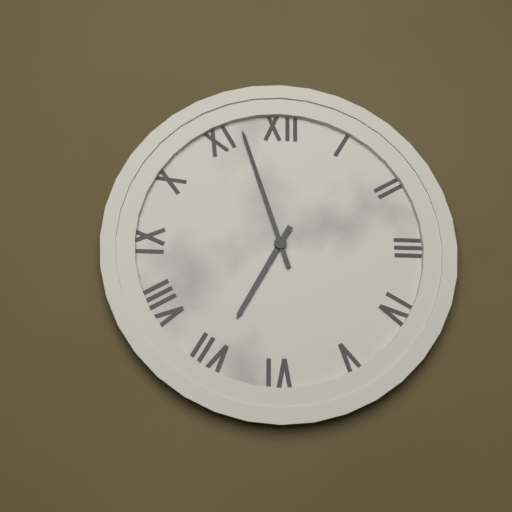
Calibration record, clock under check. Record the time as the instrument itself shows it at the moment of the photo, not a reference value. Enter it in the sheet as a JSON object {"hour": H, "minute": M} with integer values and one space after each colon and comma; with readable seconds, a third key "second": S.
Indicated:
{"hour": 6, "minute": 57}
